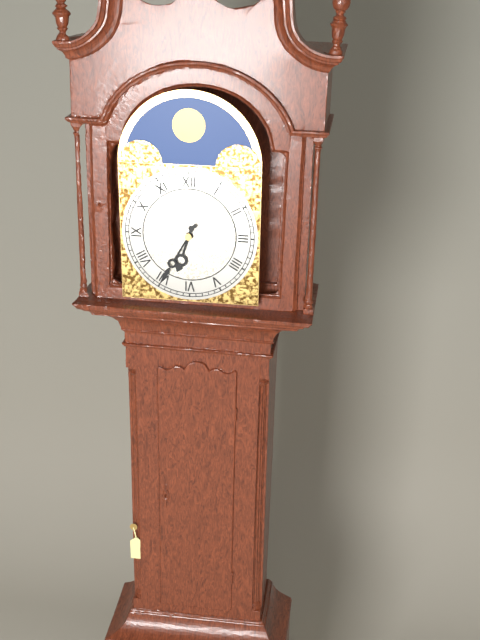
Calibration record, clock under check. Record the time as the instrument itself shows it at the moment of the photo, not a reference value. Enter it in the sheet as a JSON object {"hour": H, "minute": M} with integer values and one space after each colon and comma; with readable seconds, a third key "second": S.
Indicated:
{"hour": 6, "minute": 35}
